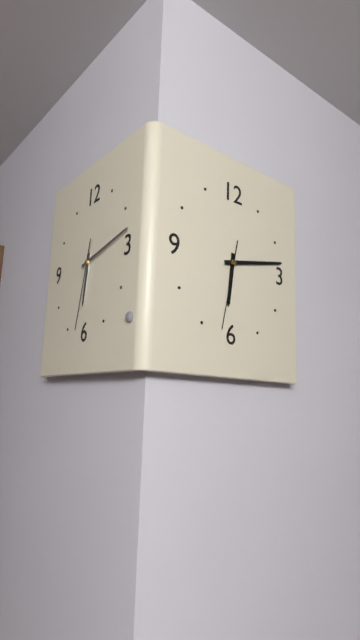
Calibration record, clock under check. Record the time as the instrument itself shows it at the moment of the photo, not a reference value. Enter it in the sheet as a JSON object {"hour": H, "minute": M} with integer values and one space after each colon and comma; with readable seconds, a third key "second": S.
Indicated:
{"hour": 6, "minute": 13, "second": 32}
